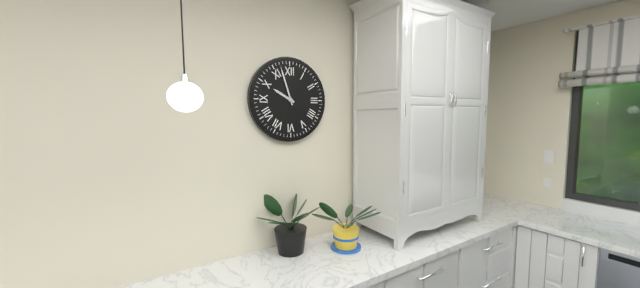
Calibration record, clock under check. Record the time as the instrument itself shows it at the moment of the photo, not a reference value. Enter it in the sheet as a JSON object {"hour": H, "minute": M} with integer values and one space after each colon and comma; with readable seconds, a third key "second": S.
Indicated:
{"hour": 9, "minute": 57}
